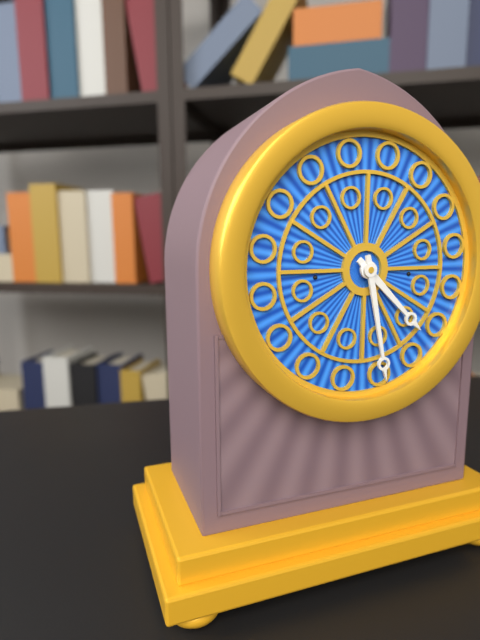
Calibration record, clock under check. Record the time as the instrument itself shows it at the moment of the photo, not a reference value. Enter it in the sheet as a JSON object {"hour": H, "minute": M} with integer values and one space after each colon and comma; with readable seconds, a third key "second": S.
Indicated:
{"hour": 4, "minute": 28}
